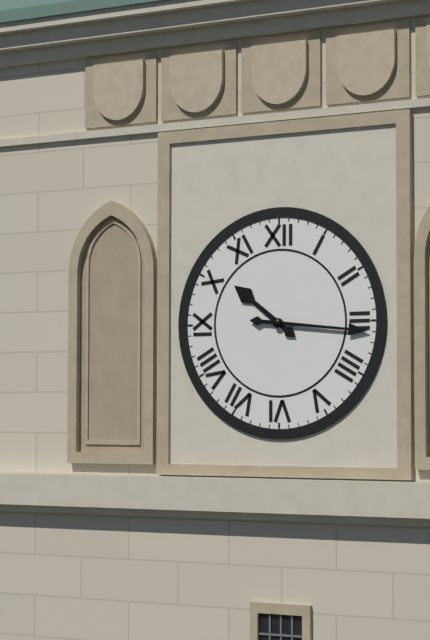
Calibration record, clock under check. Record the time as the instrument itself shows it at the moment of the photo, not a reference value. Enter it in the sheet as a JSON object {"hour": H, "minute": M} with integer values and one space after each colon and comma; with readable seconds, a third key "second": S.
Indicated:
{"hour": 10, "minute": 16}
